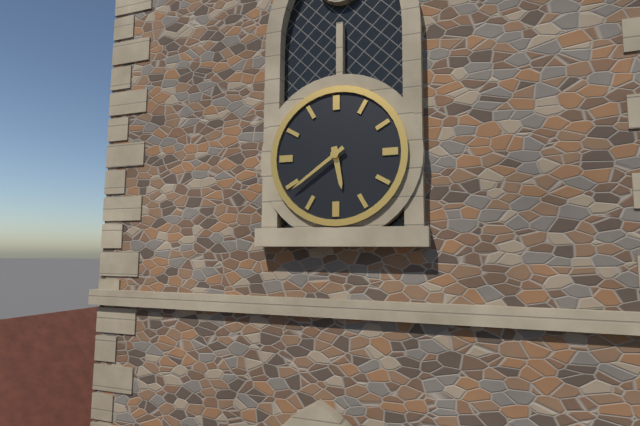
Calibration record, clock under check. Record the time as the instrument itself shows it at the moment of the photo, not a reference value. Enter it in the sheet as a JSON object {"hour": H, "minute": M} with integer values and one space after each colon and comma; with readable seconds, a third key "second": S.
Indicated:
{"hour": 5, "minute": 39}
